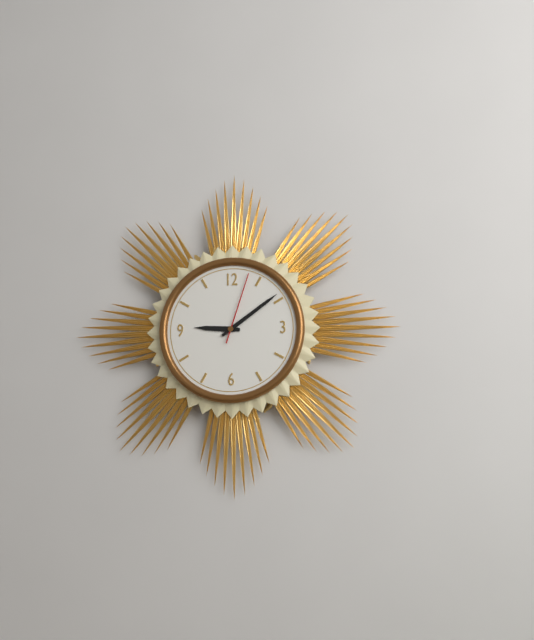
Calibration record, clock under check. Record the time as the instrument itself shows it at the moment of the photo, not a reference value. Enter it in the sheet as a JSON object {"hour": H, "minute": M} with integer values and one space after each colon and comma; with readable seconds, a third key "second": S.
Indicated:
{"hour": 9, "minute": 9, "second": 3}
